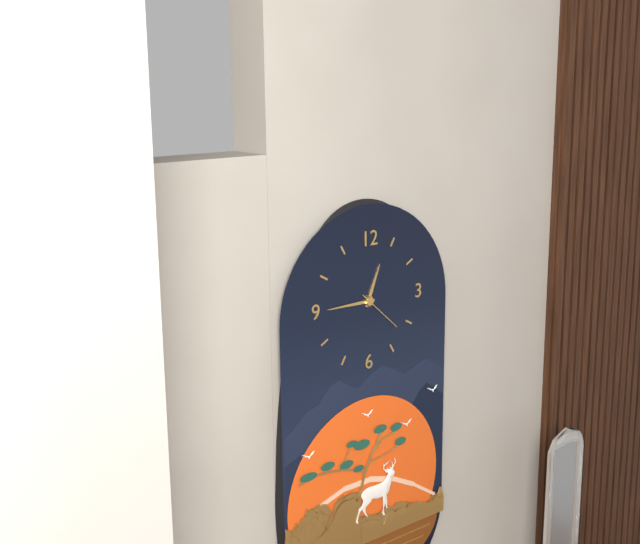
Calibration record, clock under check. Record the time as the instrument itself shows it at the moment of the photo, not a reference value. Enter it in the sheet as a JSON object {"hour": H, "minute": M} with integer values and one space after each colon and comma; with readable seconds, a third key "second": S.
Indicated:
{"hour": 12, "minute": 45, "second": 22}
